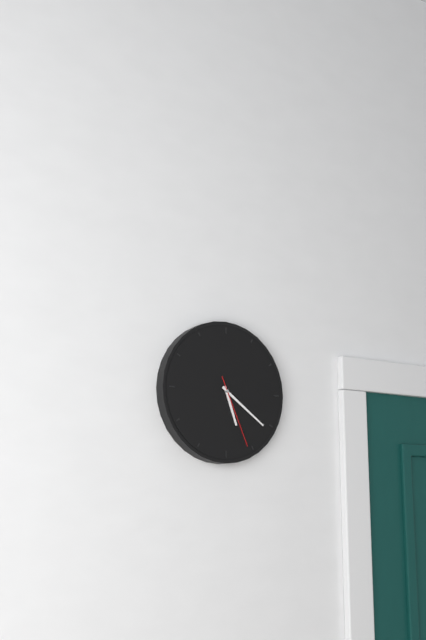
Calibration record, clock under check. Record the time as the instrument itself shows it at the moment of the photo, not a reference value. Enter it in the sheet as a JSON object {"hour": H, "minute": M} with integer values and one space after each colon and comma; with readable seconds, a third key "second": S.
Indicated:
{"hour": 5, "minute": 21, "second": 26}
